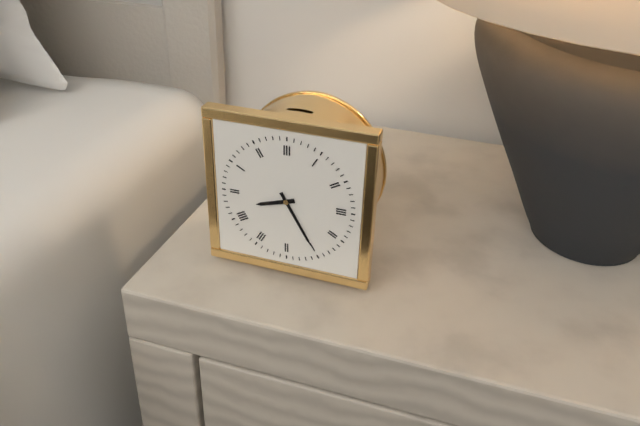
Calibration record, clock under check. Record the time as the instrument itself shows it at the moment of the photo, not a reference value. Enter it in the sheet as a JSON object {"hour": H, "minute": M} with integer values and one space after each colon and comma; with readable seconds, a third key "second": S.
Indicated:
{"hour": 8, "minute": 25}
